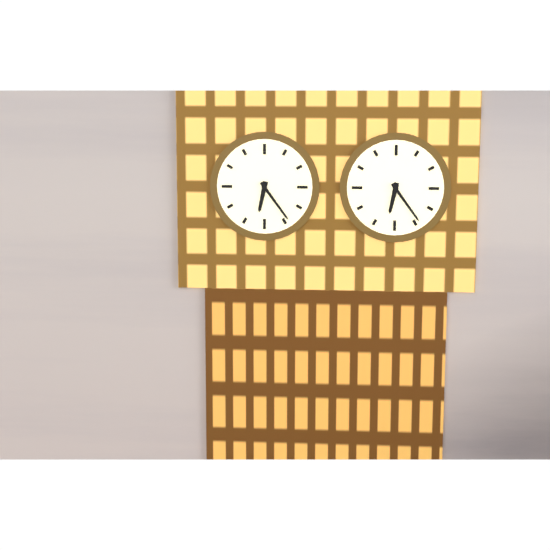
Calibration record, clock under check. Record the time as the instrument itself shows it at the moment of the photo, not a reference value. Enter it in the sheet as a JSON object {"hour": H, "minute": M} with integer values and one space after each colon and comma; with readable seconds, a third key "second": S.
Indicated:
{"hour": 6, "minute": 24}
